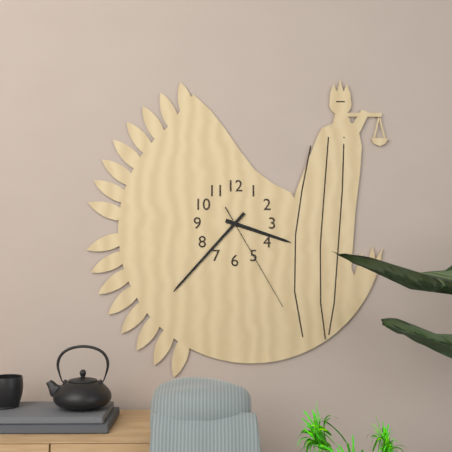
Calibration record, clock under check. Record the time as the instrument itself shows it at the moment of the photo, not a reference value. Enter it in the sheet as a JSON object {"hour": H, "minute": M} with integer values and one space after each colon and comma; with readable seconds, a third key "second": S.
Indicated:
{"hour": 3, "minute": 37, "second": 25}
